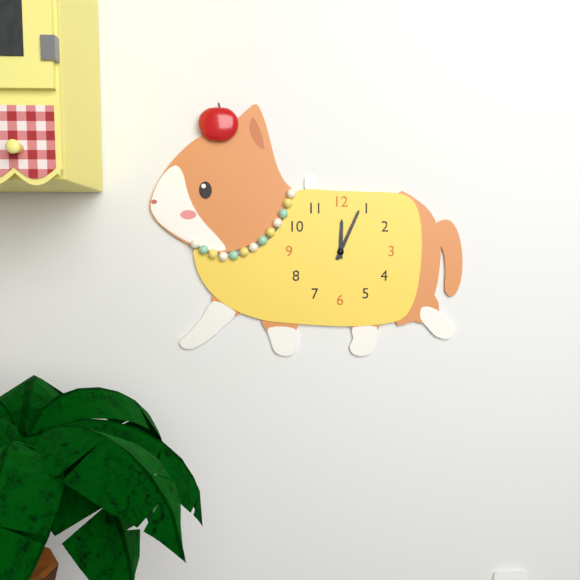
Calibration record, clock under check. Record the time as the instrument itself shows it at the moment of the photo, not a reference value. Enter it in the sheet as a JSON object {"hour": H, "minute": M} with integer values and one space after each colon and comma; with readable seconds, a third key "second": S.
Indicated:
{"hour": 12, "minute": 4}
